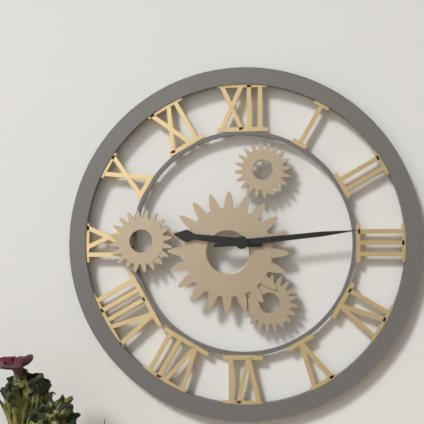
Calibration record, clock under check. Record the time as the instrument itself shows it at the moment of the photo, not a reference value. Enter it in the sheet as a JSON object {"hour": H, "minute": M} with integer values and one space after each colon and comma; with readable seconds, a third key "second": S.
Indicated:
{"hour": 9, "minute": 14}
